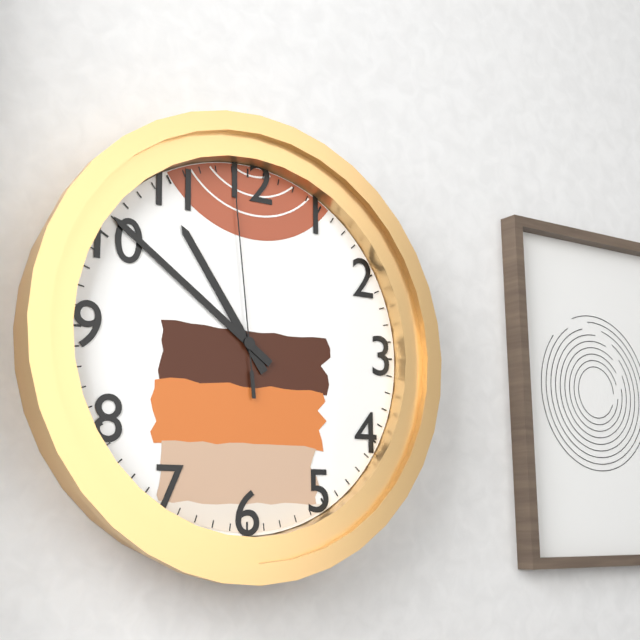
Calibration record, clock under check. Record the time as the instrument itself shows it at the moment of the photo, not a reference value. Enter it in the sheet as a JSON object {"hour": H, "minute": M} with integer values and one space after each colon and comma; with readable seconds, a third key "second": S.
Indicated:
{"hour": 10, "minute": 51, "second": 59}
